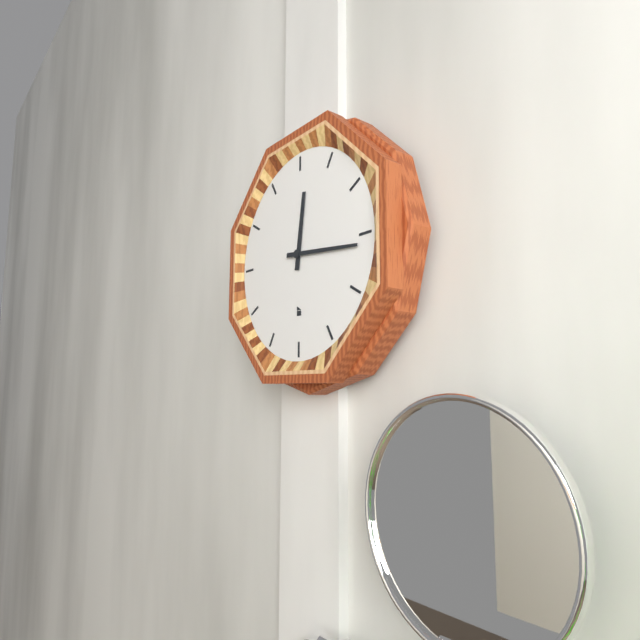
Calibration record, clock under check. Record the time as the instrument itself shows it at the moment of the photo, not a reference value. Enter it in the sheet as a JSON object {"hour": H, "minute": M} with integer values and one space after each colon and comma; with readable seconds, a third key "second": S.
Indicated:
{"hour": 12, "minute": 16}
